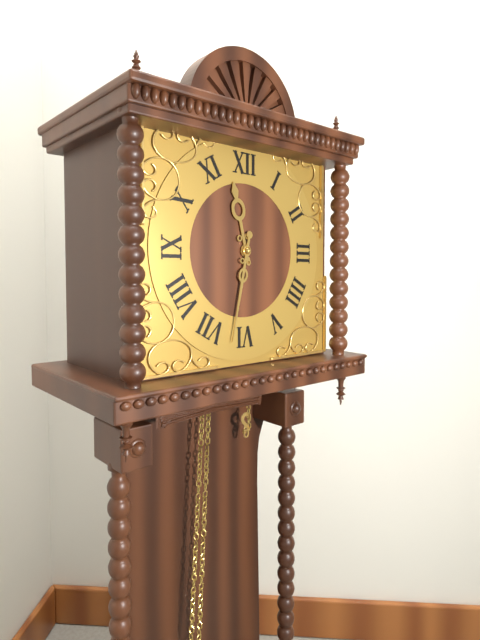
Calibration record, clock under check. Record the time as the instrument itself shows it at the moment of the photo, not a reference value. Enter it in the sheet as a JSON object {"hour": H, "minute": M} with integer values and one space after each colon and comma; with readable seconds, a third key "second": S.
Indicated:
{"hour": 11, "minute": 32}
